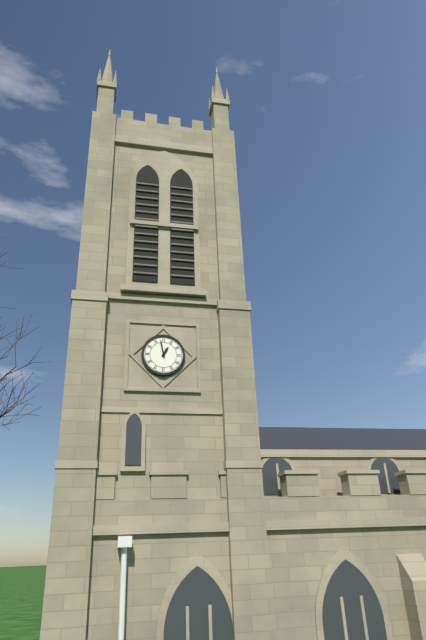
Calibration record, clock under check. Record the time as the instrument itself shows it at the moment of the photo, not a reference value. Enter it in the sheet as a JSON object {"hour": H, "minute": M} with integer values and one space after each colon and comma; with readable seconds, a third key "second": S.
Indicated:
{"hour": 12, "minute": 58}
